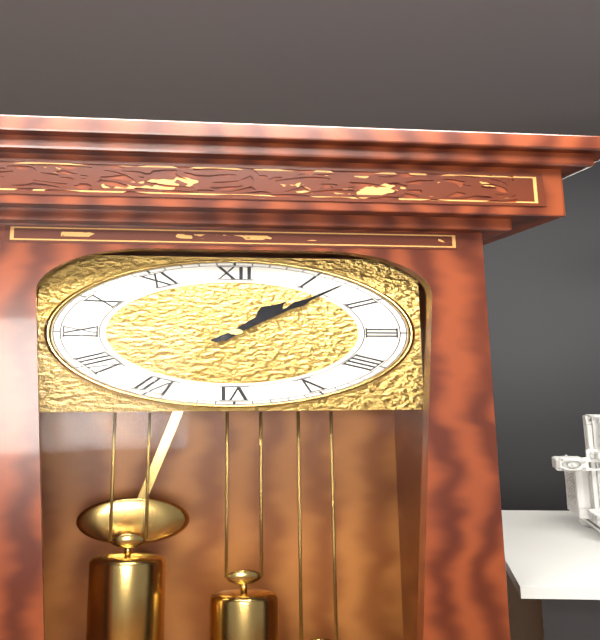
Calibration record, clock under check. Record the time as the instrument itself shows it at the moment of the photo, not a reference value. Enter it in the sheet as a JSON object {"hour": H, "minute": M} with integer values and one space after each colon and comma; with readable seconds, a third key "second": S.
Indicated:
{"hour": 1, "minute": 7}
